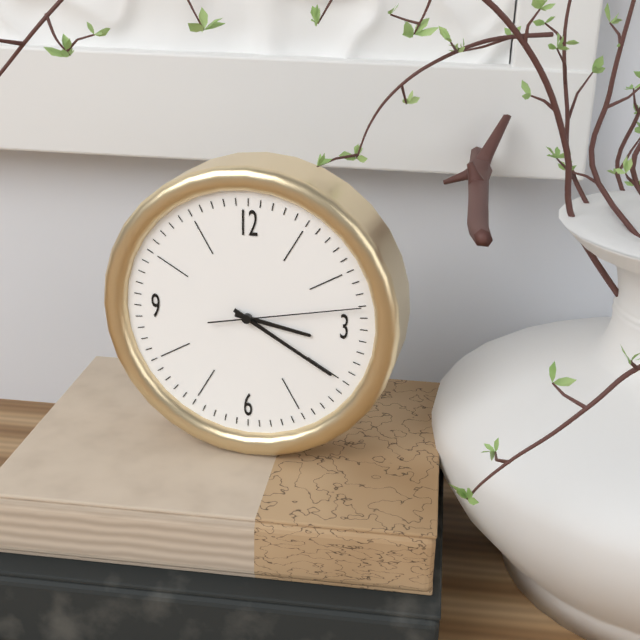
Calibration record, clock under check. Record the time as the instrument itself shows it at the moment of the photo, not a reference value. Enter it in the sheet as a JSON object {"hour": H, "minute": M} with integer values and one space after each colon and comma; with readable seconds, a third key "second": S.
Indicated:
{"hour": 3, "minute": 20, "second": 13}
